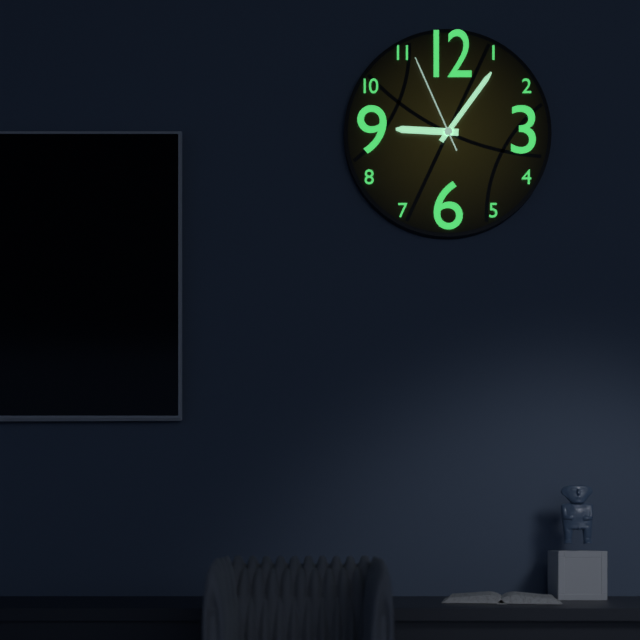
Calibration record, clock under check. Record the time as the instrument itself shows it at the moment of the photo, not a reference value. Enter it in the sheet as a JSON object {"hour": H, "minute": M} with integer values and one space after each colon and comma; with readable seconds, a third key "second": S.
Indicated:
{"hour": 9, "minute": 6, "second": 56}
